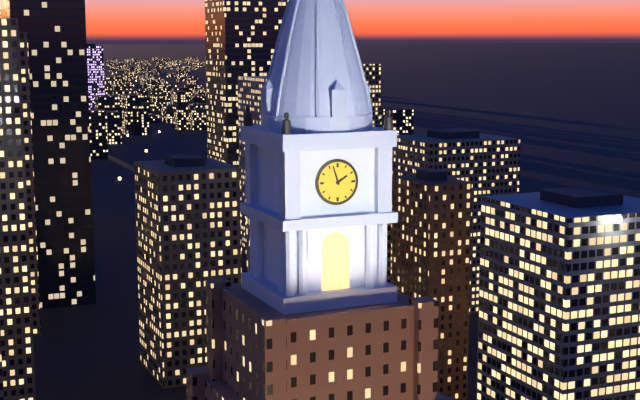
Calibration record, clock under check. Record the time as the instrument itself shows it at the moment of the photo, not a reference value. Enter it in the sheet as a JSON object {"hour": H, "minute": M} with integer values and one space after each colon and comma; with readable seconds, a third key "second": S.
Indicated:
{"hour": 1, "minute": 57}
